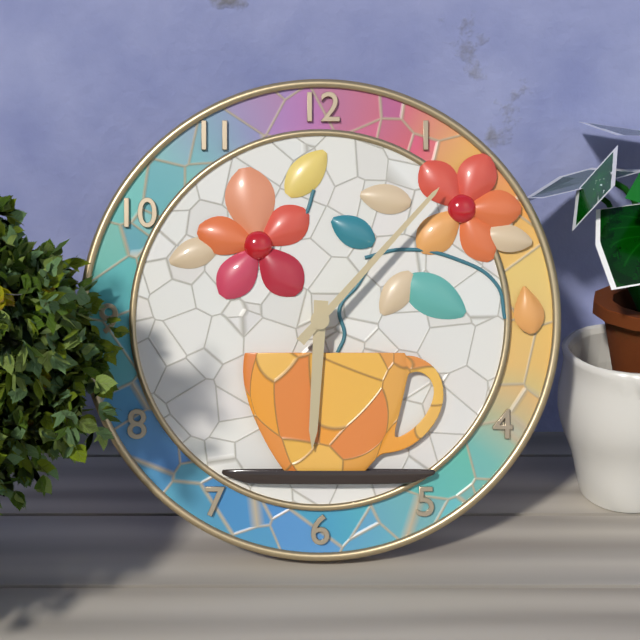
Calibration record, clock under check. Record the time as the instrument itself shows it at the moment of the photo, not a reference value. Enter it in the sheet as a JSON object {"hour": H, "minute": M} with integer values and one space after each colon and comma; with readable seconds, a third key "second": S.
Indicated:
{"hour": 6, "minute": 7}
